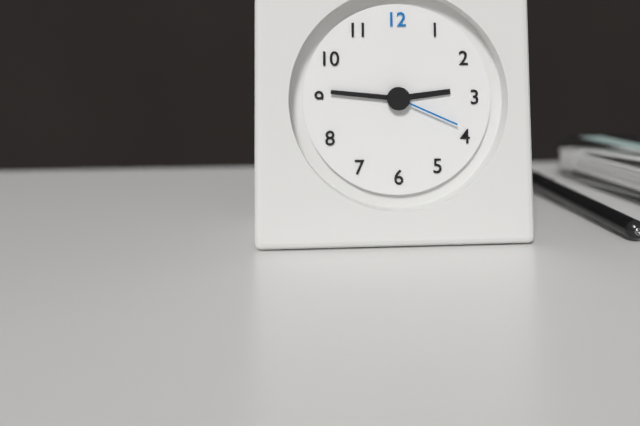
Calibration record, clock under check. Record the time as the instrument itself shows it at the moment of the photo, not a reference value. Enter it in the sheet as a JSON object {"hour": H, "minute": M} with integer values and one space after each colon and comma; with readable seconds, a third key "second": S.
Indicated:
{"hour": 2, "minute": 46, "second": 19}
